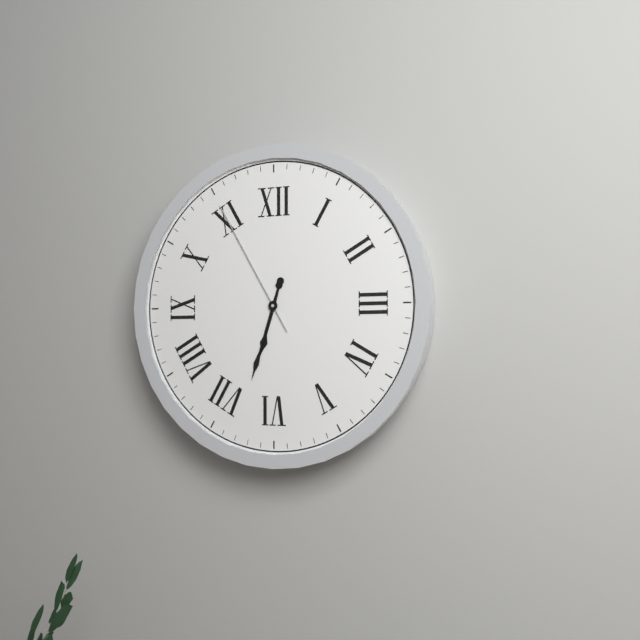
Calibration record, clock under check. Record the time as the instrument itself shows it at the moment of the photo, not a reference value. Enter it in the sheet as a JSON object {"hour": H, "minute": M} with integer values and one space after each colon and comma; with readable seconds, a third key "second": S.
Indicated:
{"hour": 6, "minute": 33, "second": 55}
